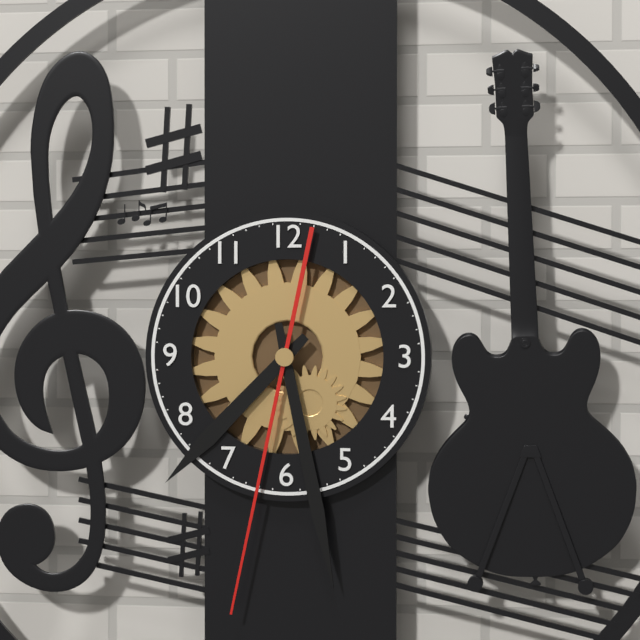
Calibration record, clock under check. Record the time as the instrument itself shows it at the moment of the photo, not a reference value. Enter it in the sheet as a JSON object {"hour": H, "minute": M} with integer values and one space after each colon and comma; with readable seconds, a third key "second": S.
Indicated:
{"hour": 7, "minute": 28, "second": 32}
